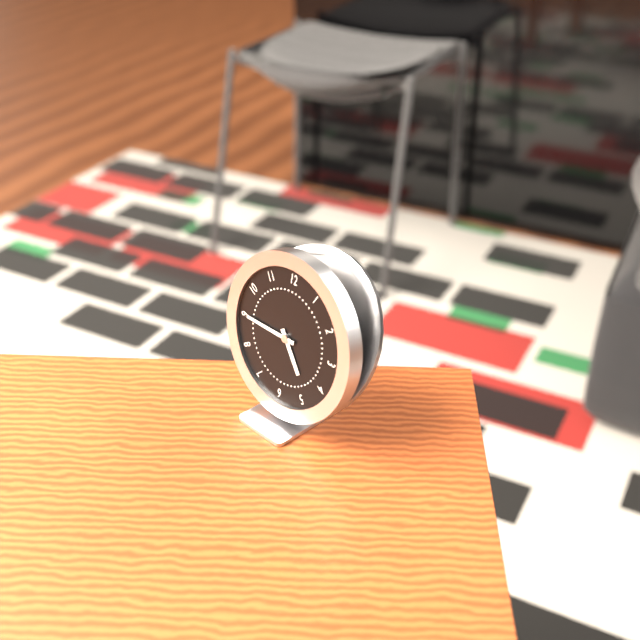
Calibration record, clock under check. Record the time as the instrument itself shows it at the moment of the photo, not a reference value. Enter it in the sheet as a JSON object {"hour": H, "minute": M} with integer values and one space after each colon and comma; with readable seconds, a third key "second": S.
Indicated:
{"hour": 4, "minute": 45}
